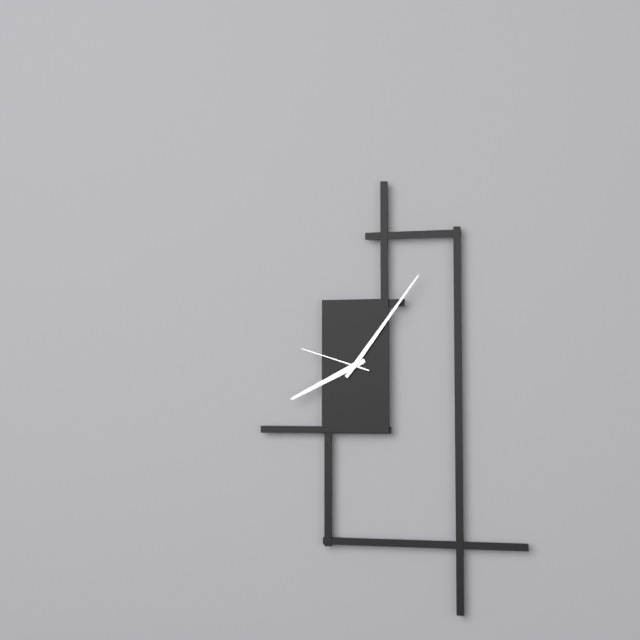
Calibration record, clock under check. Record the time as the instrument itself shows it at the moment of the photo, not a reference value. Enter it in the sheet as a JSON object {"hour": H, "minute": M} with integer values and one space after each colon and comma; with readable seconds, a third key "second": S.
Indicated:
{"hour": 8, "minute": 6, "second": 48}
